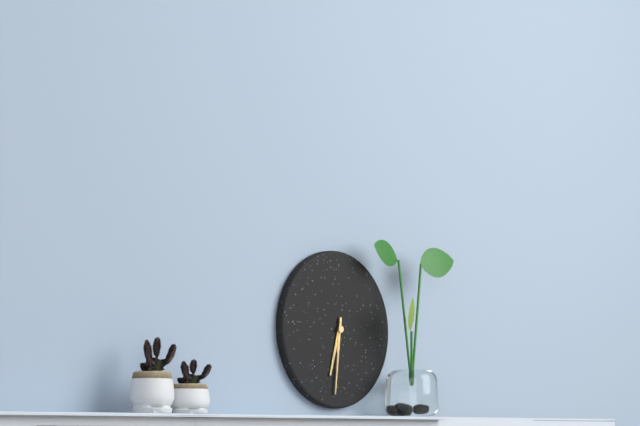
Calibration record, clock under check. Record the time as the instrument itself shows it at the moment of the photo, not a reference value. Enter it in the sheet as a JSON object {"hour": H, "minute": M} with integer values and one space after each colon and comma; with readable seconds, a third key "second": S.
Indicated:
{"hour": 6, "minute": 31}
